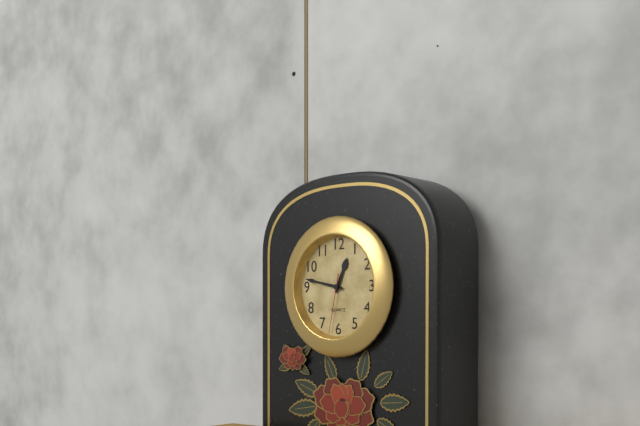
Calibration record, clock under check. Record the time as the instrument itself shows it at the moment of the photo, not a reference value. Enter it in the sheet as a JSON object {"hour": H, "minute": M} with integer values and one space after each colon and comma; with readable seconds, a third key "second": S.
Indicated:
{"hour": 12, "minute": 47, "second": 32}
